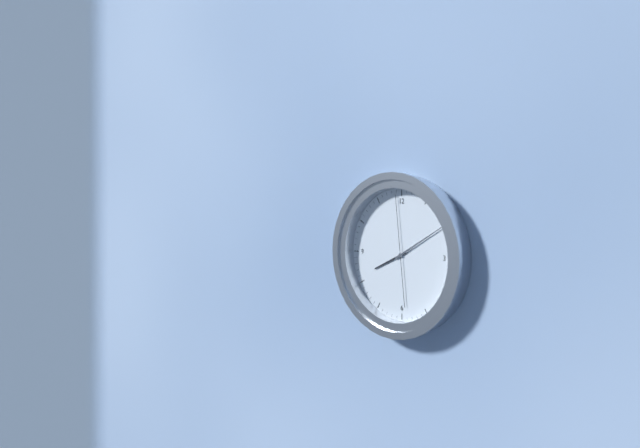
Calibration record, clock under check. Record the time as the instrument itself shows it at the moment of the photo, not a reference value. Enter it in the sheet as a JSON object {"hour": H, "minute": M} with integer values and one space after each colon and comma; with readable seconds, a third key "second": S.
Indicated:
{"hour": 8, "minute": 10, "second": 59}
